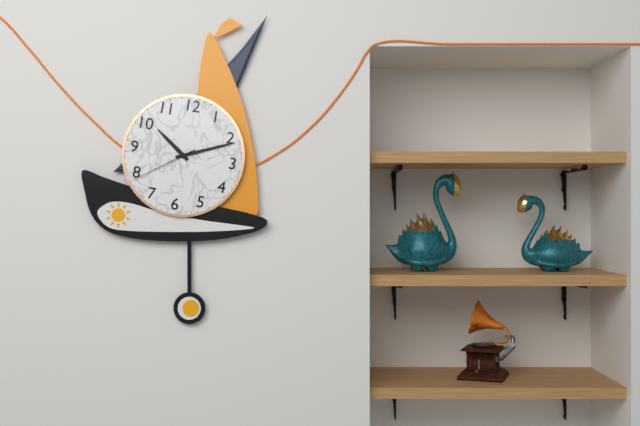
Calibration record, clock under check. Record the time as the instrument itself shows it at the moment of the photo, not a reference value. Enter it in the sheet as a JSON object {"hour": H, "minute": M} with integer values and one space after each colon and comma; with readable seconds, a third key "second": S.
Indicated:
{"hour": 10, "minute": 11, "second": 39}
